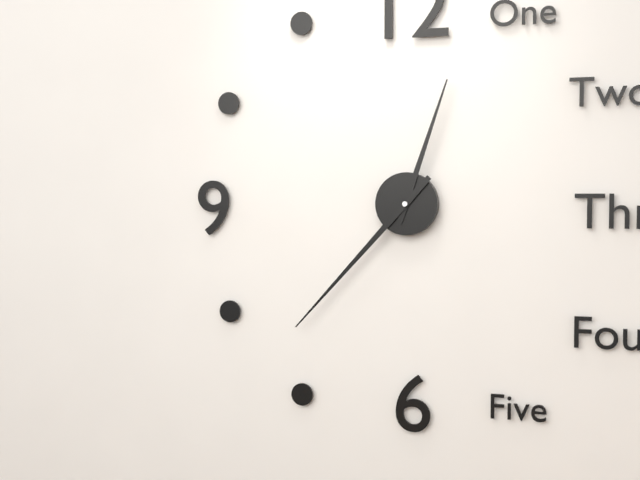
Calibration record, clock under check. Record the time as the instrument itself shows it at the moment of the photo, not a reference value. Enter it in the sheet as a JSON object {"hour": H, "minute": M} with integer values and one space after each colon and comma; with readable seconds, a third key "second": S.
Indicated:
{"hour": 12, "minute": 37}
